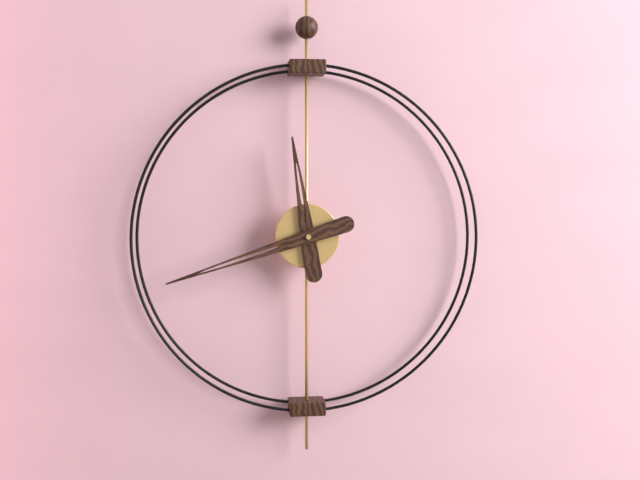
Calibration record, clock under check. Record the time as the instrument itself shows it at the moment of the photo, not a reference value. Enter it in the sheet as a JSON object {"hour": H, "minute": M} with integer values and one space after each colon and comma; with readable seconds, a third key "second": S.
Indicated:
{"hour": 11, "minute": 42}
